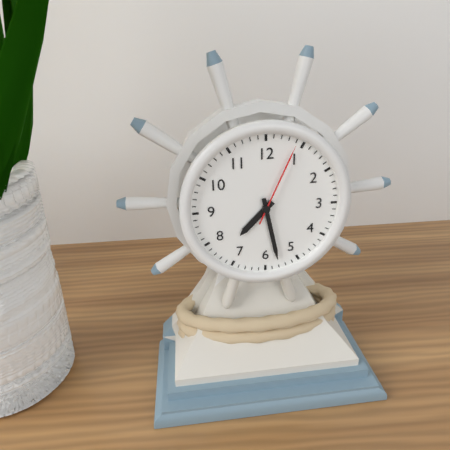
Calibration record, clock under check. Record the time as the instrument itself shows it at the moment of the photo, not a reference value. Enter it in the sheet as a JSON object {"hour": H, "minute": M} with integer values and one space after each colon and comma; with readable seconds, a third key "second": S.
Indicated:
{"hour": 7, "minute": 28, "second": 4}
